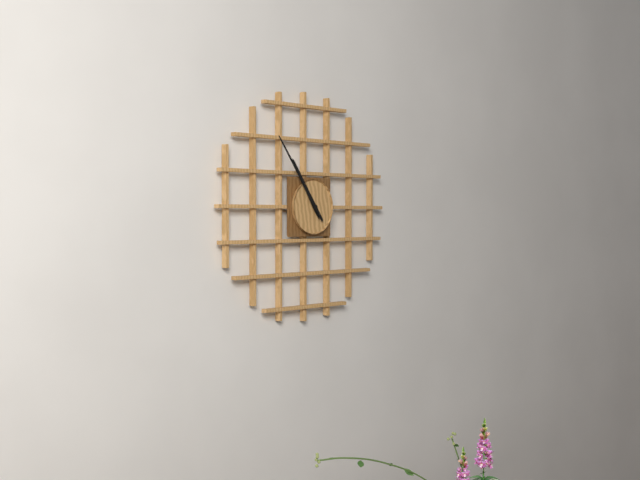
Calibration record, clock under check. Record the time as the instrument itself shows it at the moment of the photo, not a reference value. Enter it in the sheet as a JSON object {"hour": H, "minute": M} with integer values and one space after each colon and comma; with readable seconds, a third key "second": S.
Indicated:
{"hour": 10, "minute": 54}
